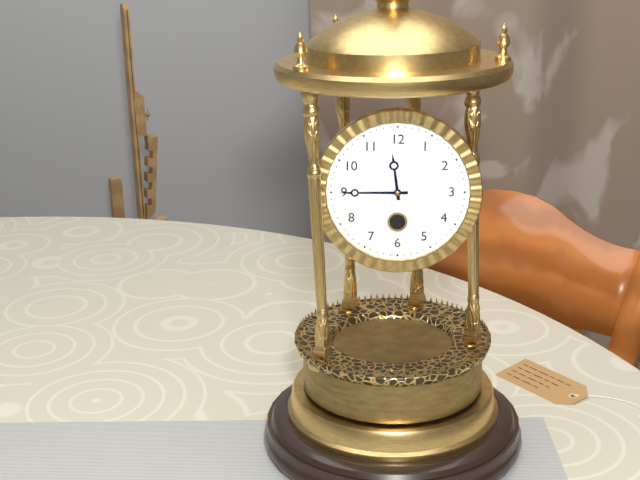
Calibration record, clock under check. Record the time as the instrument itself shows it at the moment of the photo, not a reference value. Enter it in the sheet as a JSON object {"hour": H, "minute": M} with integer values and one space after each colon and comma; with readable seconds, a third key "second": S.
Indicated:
{"hour": 11, "minute": 45}
